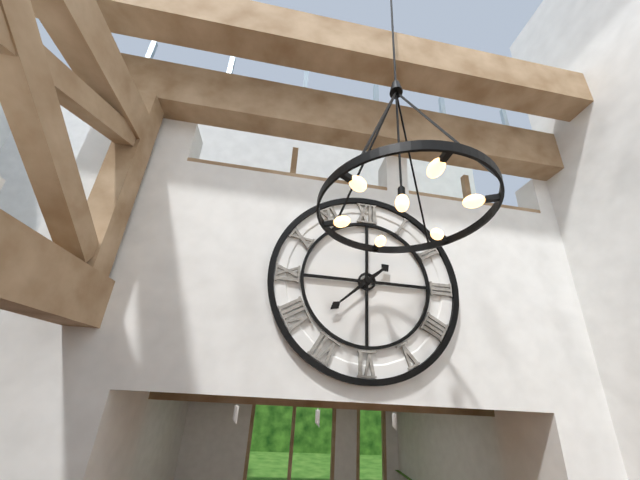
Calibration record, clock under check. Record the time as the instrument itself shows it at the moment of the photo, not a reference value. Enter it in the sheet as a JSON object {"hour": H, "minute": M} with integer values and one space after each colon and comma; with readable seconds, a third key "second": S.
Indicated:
{"hour": 1, "minute": 38}
